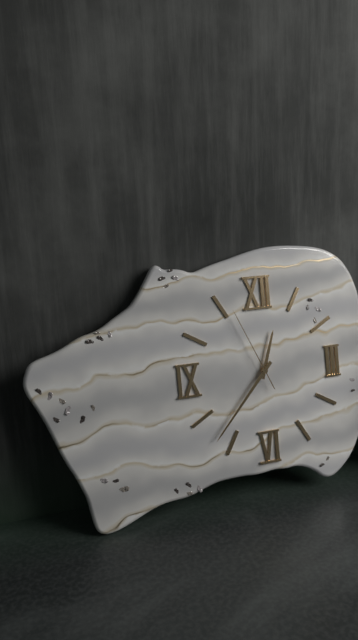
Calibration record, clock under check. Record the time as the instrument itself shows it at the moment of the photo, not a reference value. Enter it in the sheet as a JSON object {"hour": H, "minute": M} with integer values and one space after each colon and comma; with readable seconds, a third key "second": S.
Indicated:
{"hour": 12, "minute": 37, "second": 56}
